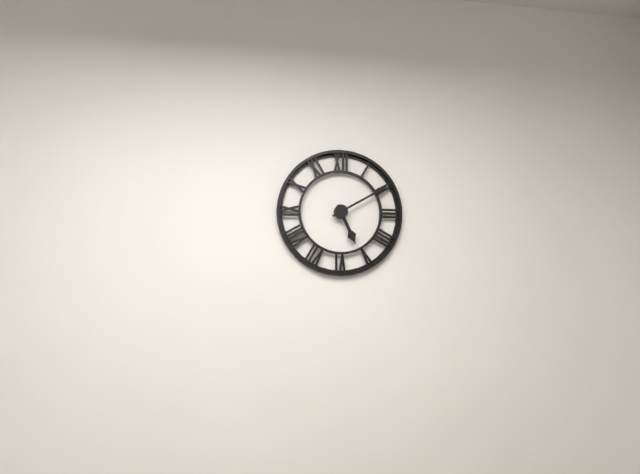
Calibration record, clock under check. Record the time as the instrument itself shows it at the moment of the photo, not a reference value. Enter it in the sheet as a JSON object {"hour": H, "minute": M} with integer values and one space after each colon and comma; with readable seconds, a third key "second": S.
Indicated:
{"hour": 5, "minute": 10}
